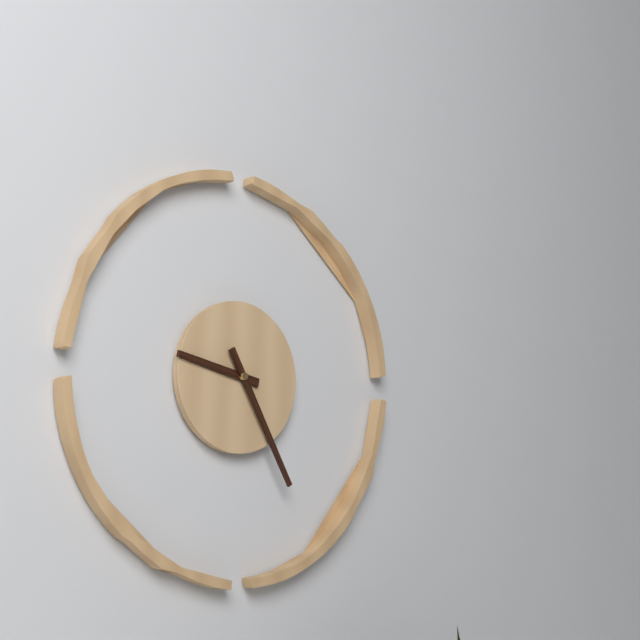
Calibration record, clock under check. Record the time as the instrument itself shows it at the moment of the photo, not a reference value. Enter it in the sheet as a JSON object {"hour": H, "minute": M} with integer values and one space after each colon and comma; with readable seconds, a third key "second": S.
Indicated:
{"hour": 9, "minute": 25}
